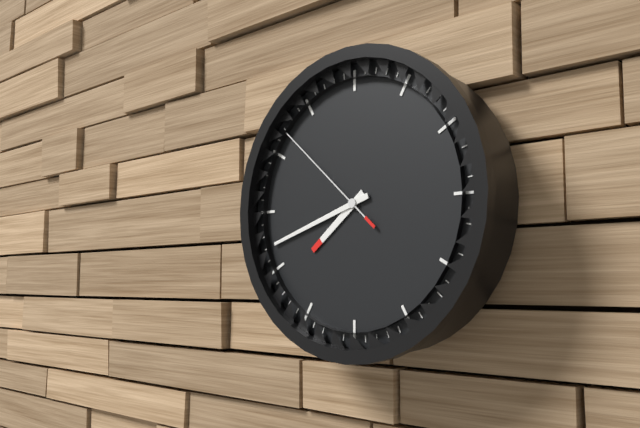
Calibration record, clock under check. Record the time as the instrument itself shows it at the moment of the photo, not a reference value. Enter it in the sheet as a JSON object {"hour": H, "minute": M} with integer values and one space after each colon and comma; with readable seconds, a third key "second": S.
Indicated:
{"hour": 7, "minute": 42, "second": 52}
